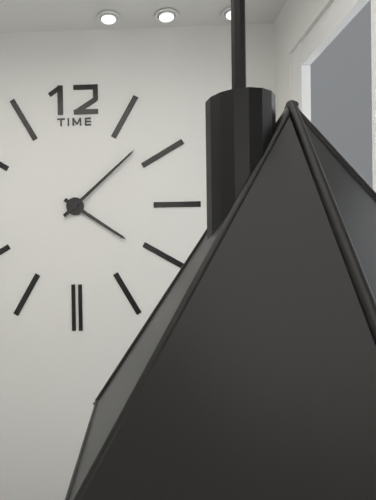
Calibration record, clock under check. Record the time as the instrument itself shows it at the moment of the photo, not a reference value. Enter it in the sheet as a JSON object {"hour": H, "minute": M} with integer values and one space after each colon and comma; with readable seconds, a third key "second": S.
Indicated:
{"hour": 4, "minute": 8}
